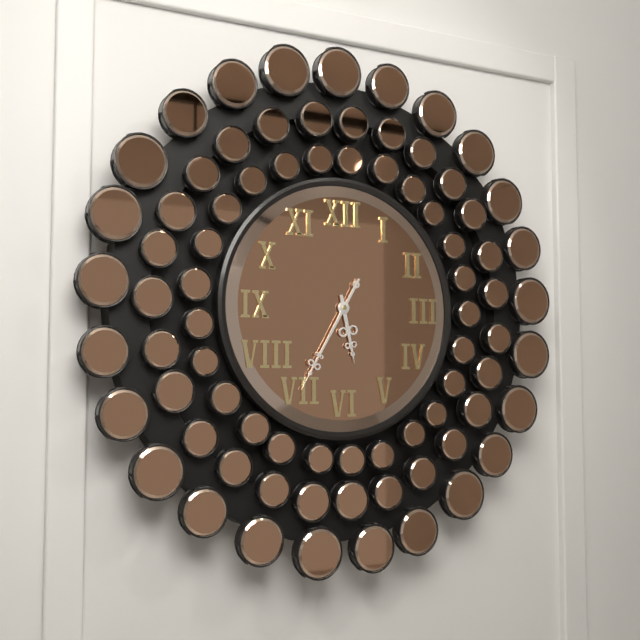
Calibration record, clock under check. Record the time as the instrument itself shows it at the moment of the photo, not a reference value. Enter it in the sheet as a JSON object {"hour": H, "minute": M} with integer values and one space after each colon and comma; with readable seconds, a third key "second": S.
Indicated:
{"hour": 5, "minute": 35}
